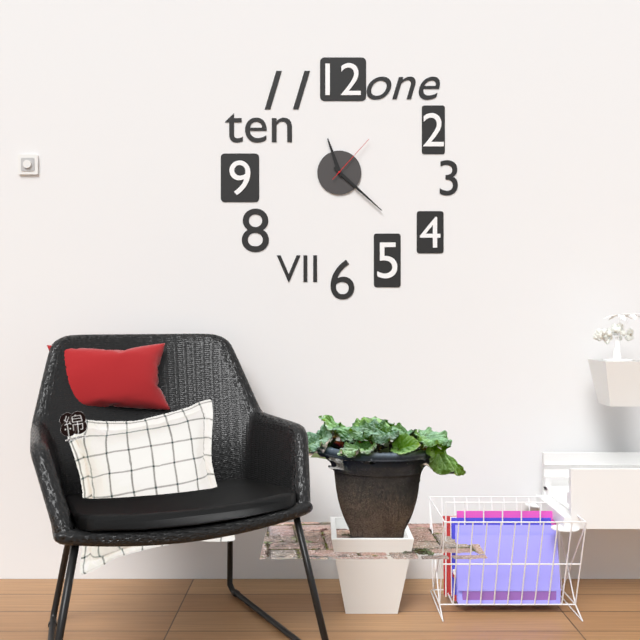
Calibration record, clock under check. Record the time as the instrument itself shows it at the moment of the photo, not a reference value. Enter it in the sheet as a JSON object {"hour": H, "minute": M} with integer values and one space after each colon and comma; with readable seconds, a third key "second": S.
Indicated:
{"hour": 11, "minute": 22, "second": 7}
